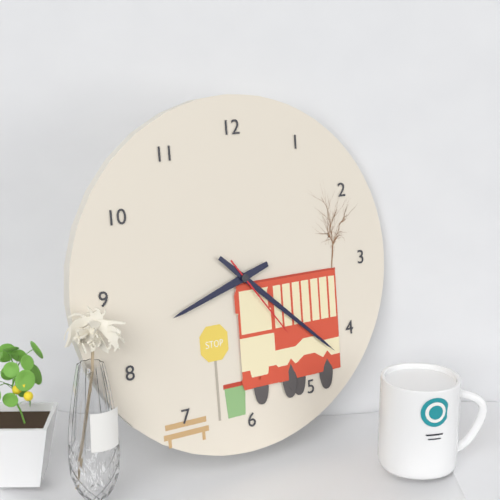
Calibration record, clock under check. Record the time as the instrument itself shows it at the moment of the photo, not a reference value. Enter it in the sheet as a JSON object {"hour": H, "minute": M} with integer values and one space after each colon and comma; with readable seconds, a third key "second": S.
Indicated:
{"hour": 8, "minute": 22, "second": 24}
